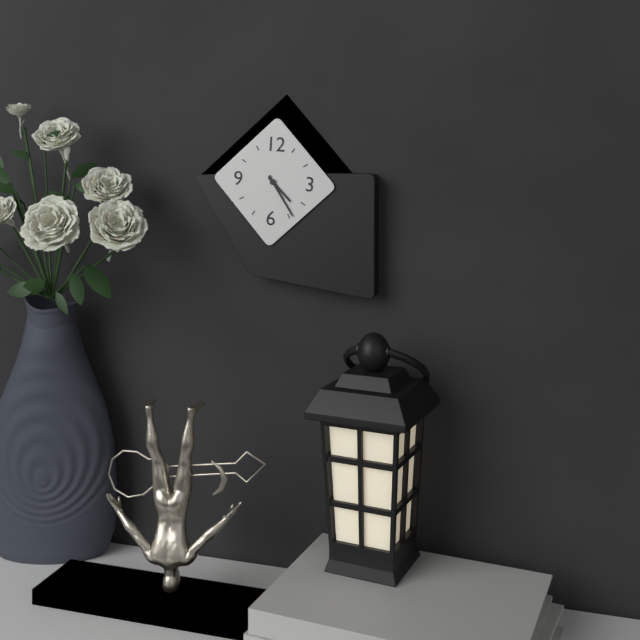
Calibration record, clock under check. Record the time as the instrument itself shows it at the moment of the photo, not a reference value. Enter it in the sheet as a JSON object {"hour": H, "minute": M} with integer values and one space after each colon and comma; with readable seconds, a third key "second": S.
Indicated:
{"hour": 4, "minute": 24}
